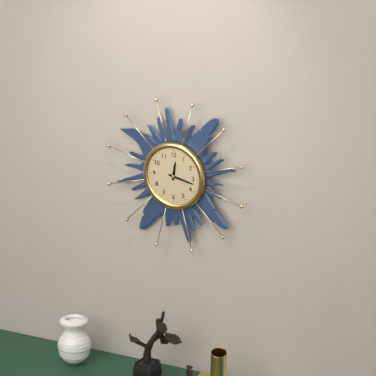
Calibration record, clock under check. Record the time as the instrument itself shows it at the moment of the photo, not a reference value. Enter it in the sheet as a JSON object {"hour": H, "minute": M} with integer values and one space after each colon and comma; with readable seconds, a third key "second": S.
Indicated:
{"hour": 12, "minute": 17}
